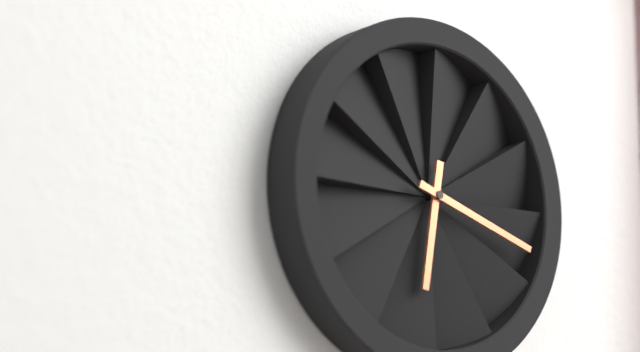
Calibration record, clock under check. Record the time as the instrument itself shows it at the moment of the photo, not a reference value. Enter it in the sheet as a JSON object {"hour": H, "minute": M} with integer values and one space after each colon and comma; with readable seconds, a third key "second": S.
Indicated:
{"hour": 6, "minute": 18}
